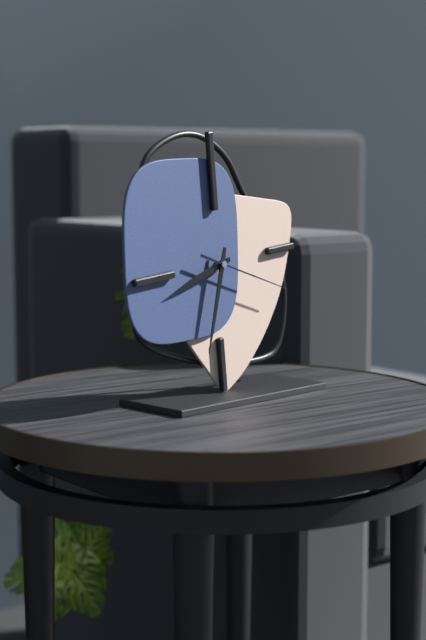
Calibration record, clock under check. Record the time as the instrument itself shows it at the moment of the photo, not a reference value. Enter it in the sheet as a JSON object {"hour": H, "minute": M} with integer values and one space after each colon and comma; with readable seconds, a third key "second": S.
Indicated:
{"hour": 8, "minute": 33, "second": 19}
